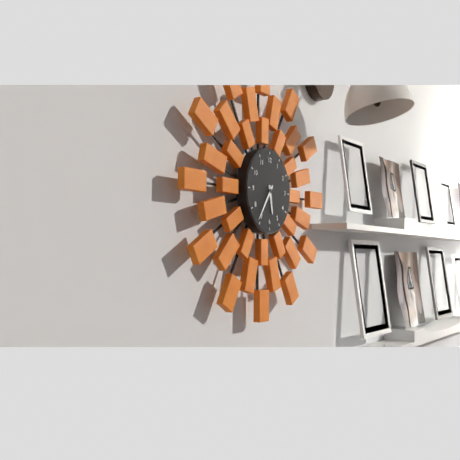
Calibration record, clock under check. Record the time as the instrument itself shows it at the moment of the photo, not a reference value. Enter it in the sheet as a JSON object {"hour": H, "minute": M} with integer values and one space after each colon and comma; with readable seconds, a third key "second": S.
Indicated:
{"hour": 5, "minute": 36}
